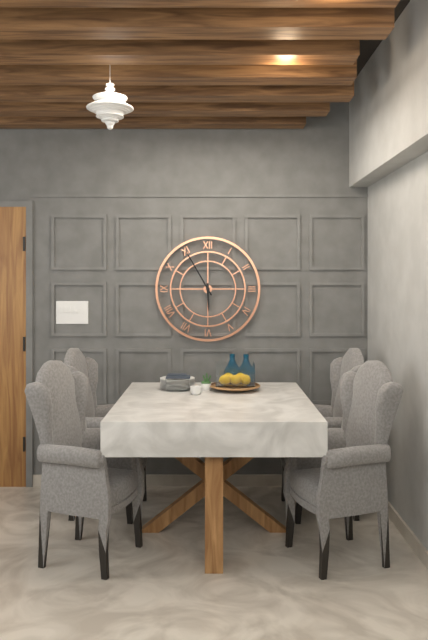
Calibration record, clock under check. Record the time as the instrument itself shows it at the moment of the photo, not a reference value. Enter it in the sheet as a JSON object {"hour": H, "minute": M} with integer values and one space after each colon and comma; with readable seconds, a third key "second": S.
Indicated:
{"hour": 5, "minute": 55}
